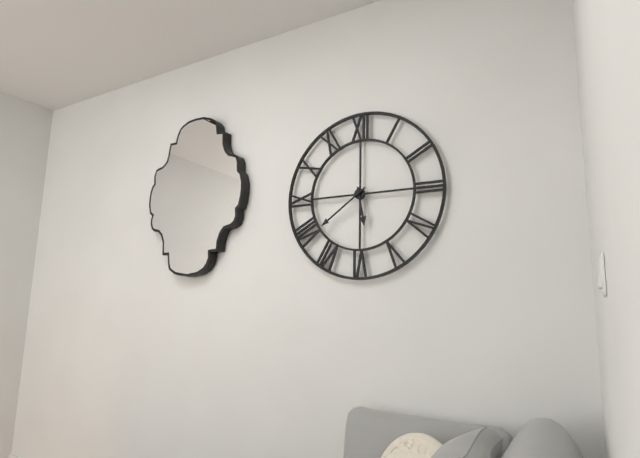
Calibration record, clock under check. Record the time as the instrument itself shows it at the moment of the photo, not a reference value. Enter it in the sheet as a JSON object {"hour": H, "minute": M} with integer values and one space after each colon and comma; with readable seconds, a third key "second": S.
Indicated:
{"hour": 5, "minute": 39}
